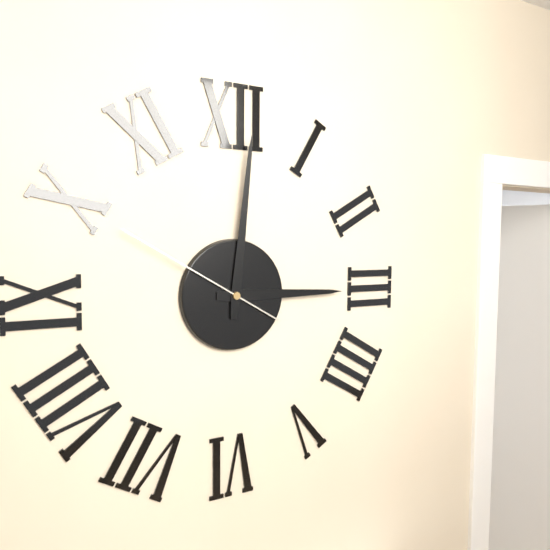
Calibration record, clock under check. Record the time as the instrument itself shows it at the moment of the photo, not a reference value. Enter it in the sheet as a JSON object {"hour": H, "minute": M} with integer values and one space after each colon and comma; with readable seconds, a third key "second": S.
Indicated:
{"hour": 3, "minute": 1, "second": 50}
